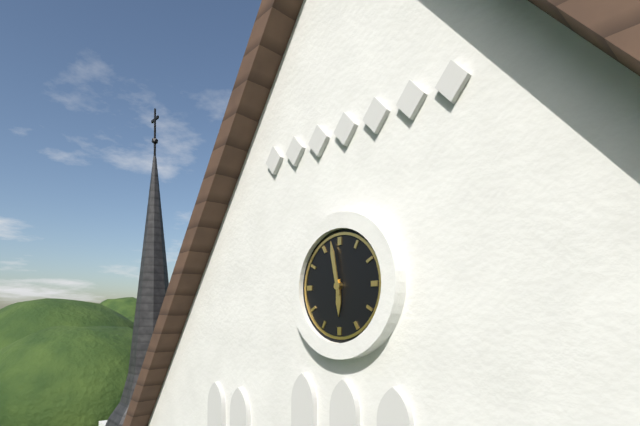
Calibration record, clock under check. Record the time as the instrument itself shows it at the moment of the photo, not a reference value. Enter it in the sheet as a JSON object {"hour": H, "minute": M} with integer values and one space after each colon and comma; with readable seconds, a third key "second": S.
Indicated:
{"hour": 5, "minute": 58}
